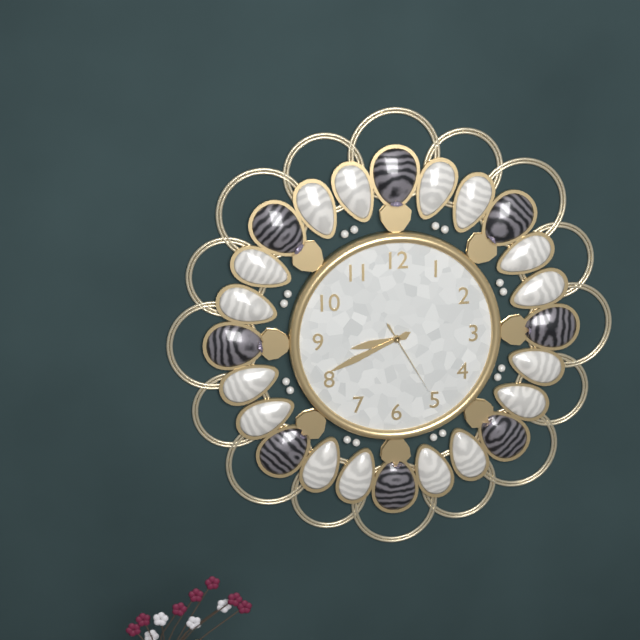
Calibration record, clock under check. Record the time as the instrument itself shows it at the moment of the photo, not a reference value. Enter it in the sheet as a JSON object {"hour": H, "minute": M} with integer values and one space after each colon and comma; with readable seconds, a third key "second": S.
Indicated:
{"hour": 8, "minute": 41, "second": 25}
